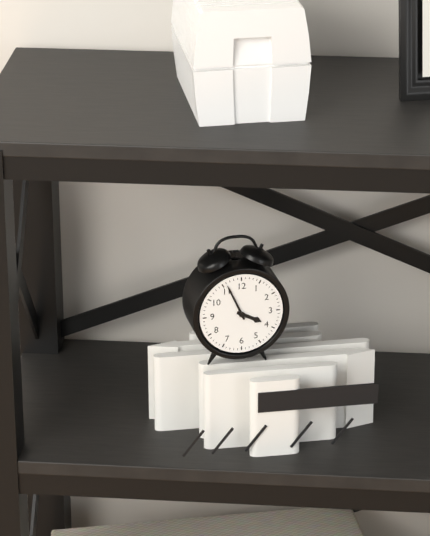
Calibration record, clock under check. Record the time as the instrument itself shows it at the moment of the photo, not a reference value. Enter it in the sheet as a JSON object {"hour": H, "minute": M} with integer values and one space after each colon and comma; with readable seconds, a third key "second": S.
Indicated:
{"hour": 3, "minute": 56}
